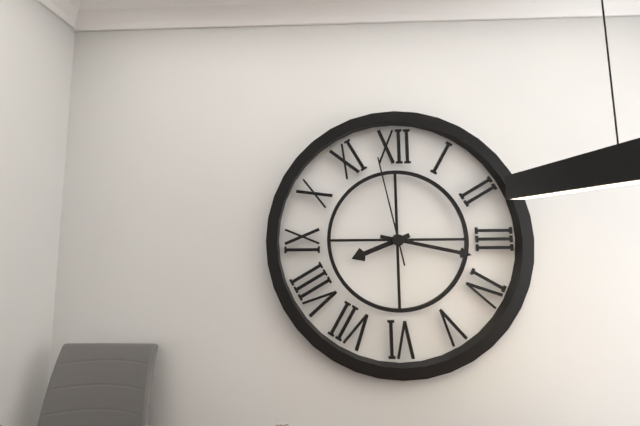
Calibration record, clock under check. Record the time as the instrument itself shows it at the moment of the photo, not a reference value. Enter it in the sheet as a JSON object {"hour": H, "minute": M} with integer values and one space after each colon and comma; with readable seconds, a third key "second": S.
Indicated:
{"hour": 8, "minute": 17, "second": 58}
